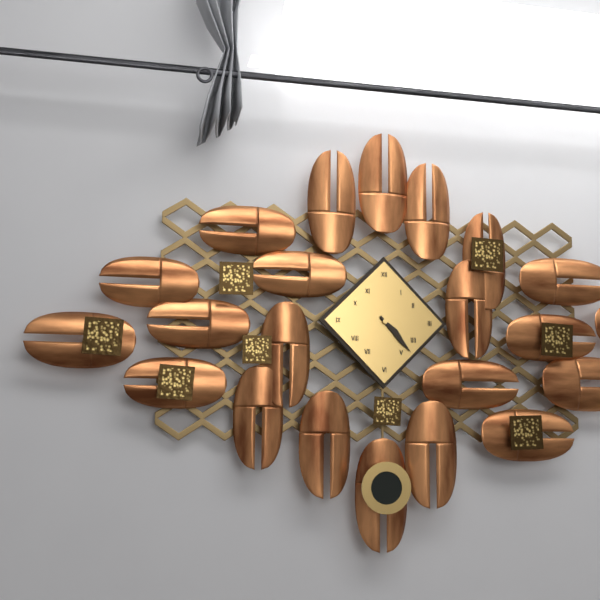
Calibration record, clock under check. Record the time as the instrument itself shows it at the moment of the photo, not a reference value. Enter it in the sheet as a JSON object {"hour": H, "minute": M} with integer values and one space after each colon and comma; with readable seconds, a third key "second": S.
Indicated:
{"hour": 4, "minute": 23}
